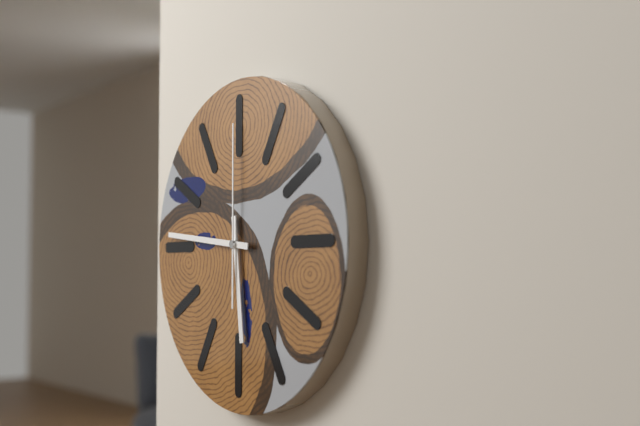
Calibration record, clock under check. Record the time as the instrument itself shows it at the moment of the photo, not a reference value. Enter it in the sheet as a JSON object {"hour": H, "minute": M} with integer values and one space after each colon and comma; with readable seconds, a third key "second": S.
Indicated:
{"hour": 5, "minute": 46, "second": 0}
